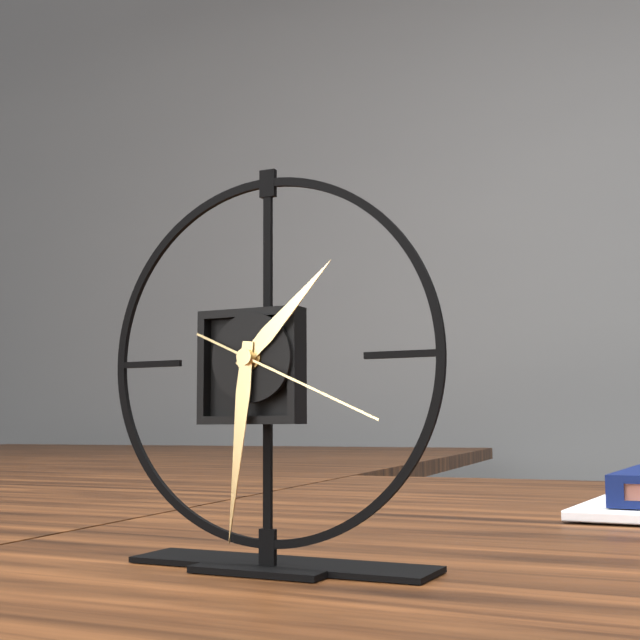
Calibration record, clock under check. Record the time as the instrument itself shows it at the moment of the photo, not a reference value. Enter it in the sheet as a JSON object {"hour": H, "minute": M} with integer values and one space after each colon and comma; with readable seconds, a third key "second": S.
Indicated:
{"hour": 1, "minute": 31, "second": 19}
